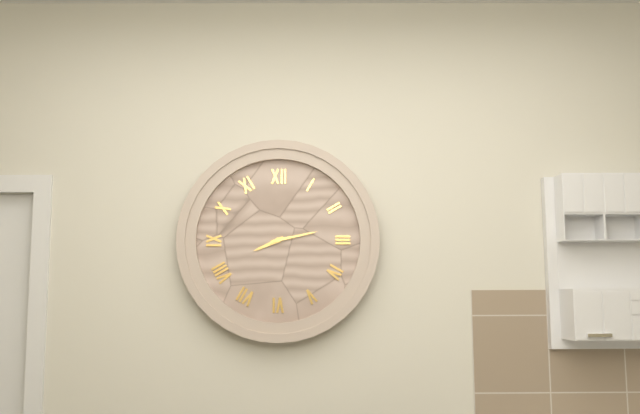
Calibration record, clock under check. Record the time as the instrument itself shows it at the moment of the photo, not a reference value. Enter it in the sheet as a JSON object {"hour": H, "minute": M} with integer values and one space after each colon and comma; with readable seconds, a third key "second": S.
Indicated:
{"hour": 8, "minute": 13}
